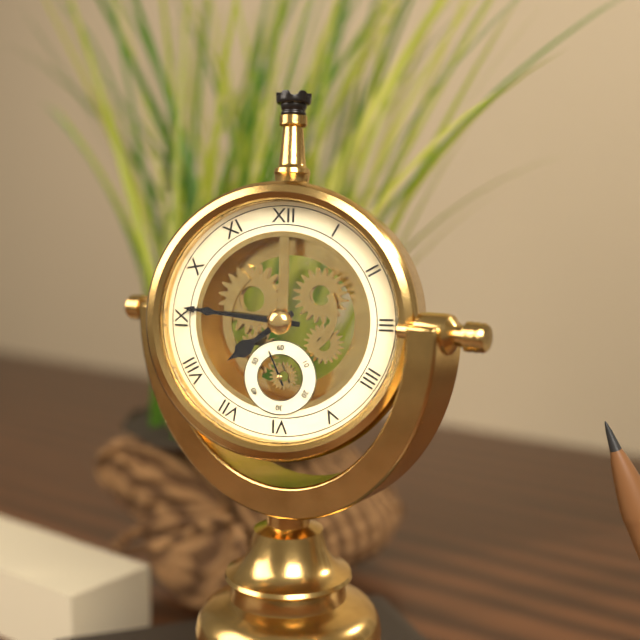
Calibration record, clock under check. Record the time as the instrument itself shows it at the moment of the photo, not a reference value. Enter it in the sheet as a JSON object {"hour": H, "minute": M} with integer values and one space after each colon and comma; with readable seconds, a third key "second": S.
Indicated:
{"hour": 7, "minute": 46}
